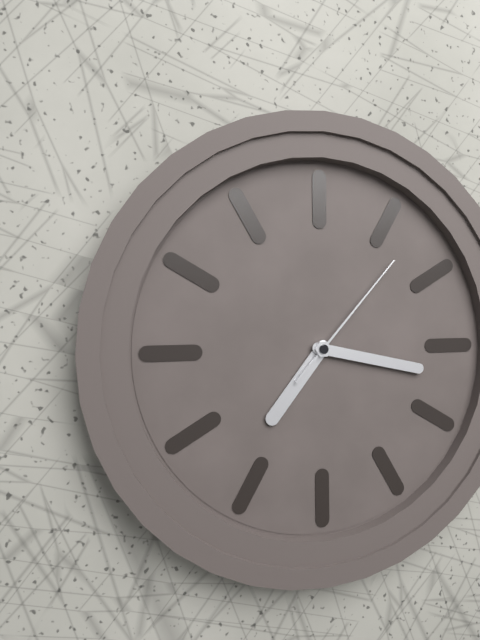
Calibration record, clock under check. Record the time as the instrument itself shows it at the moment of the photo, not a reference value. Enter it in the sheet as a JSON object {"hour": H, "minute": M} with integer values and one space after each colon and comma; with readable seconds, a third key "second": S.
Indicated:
{"hour": 7, "minute": 17, "second": 7}
